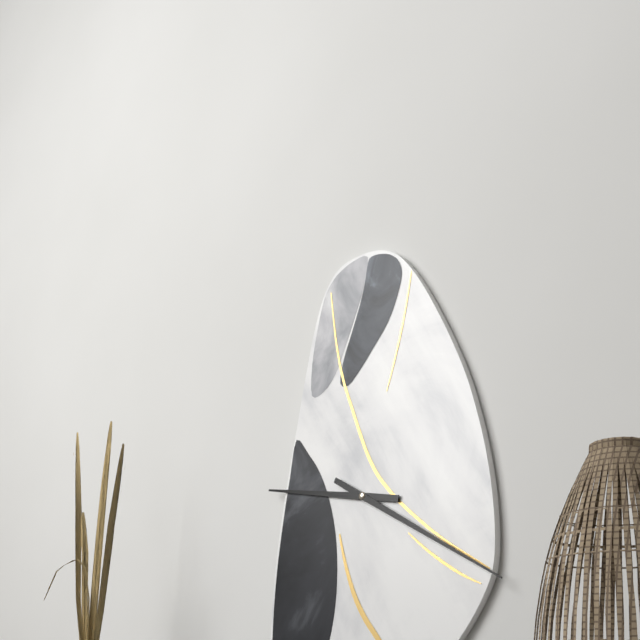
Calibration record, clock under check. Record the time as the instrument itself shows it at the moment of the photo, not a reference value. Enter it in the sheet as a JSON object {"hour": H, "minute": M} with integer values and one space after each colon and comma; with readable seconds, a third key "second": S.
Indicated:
{"hour": 9, "minute": 20}
